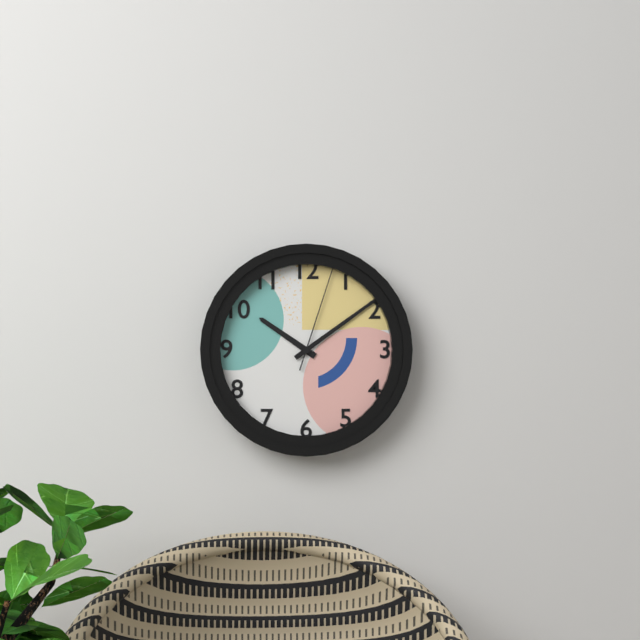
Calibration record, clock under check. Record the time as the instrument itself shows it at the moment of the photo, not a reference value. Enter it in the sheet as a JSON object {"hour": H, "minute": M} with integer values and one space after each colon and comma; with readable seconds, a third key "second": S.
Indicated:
{"hour": 10, "minute": 9, "second": 3}
